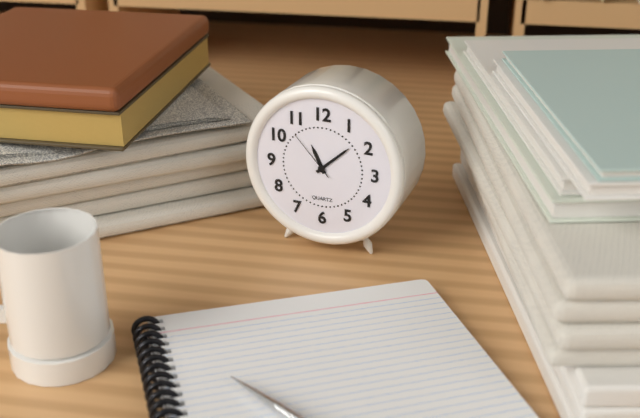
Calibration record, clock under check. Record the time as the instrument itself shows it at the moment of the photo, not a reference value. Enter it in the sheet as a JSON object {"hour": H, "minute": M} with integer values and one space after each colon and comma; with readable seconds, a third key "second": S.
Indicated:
{"hour": 11, "minute": 8, "second": 53}
